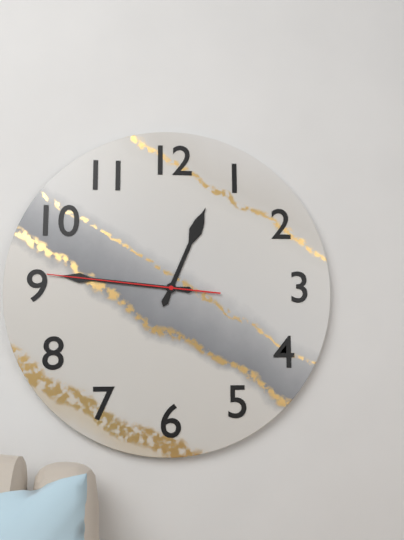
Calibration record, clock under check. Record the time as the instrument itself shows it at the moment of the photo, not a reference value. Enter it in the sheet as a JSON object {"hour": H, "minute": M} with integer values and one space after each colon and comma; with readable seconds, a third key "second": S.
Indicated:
{"hour": 12, "minute": 46, "second": 46}
